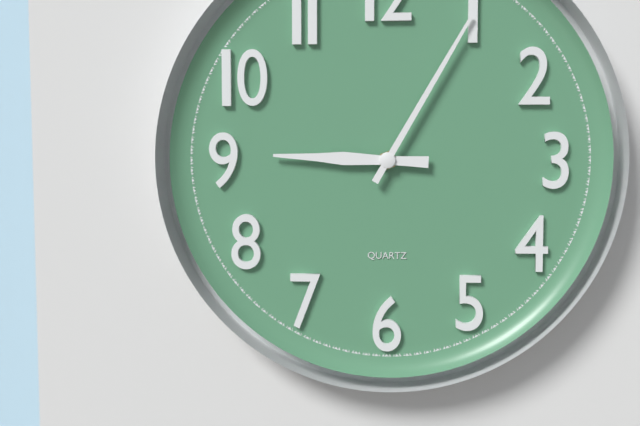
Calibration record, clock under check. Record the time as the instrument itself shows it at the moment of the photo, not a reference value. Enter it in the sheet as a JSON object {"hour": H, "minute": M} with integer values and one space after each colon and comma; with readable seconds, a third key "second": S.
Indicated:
{"hour": 9, "minute": 5}
